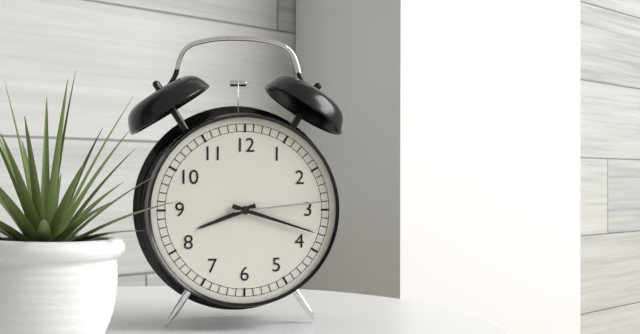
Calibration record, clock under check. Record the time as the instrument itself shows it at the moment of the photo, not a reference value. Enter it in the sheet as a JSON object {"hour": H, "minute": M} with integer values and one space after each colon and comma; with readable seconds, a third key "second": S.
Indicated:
{"hour": 8, "minute": 18, "second": 14}
